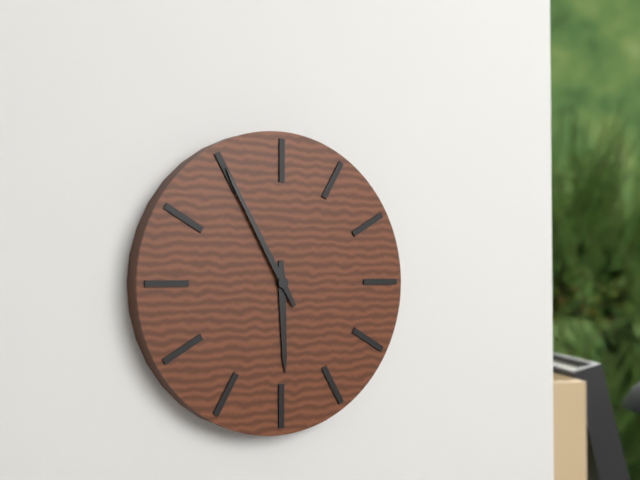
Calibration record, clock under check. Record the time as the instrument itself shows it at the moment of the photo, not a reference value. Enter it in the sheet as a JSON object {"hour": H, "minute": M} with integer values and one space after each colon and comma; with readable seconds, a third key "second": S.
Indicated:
{"hour": 5, "minute": 55}
